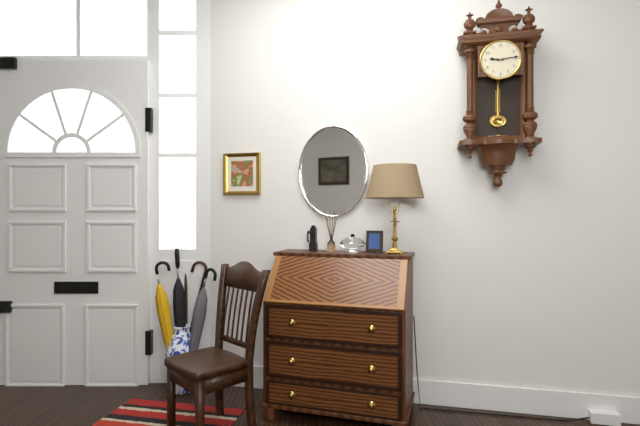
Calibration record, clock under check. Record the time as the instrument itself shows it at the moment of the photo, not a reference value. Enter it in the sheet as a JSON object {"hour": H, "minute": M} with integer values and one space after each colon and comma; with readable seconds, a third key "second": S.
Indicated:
{"hour": 9, "minute": 14}
